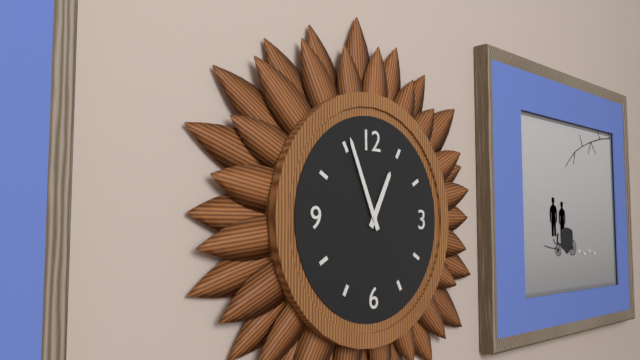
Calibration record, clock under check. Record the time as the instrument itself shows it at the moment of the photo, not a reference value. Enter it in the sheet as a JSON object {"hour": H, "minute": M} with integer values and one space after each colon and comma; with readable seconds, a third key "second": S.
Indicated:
{"hour": 12, "minute": 56}
